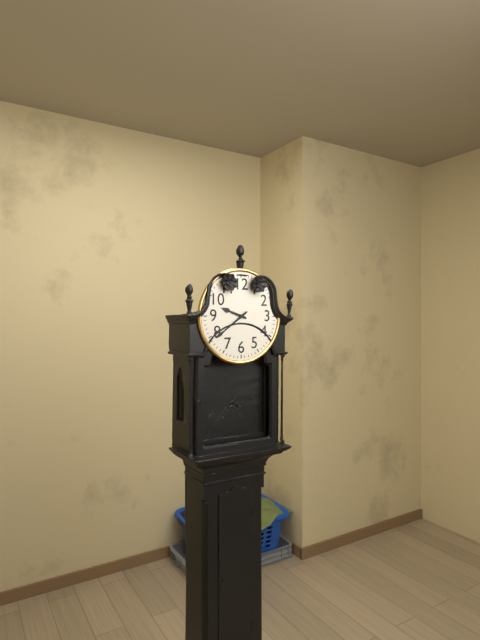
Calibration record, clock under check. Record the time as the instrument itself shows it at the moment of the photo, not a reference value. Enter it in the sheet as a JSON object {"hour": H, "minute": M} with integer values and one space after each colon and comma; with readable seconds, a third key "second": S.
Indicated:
{"hour": 9, "minute": 39}
